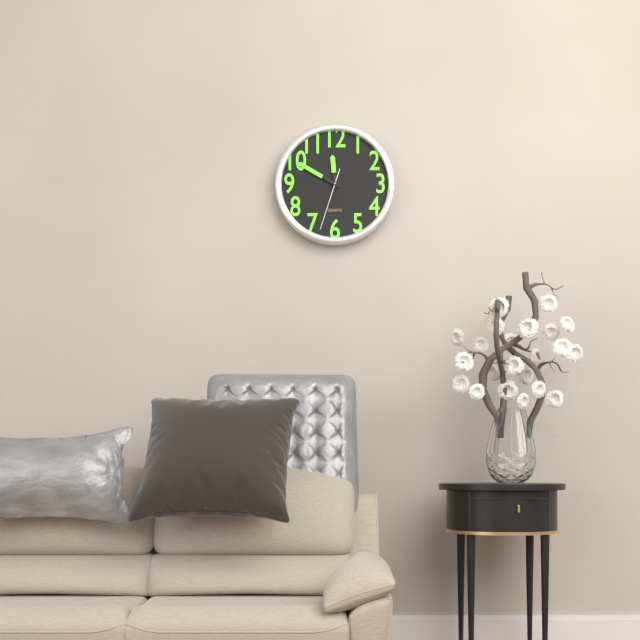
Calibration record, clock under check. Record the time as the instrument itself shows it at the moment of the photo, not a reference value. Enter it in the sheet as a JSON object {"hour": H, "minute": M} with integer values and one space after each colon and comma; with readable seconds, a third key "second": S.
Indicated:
{"hour": 11, "minute": 50, "second": 33}
